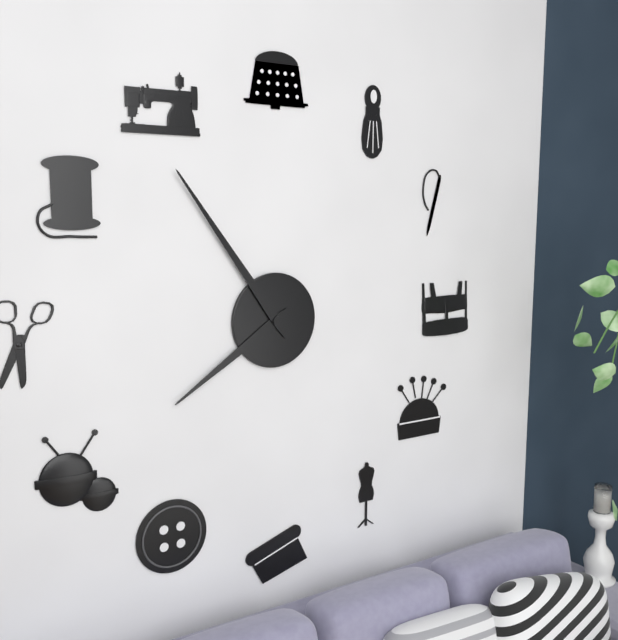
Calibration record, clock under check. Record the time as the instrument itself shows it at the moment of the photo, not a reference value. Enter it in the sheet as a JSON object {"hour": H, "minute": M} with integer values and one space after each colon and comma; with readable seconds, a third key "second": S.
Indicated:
{"hour": 7, "minute": 54}
